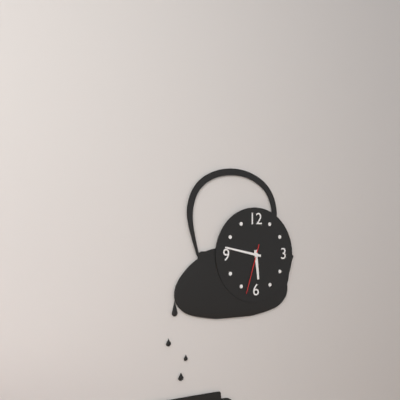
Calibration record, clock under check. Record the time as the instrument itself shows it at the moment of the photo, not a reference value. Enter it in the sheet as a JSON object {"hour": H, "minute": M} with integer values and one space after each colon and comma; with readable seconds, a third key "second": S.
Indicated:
{"hour": 5, "minute": 47, "second": 33}
